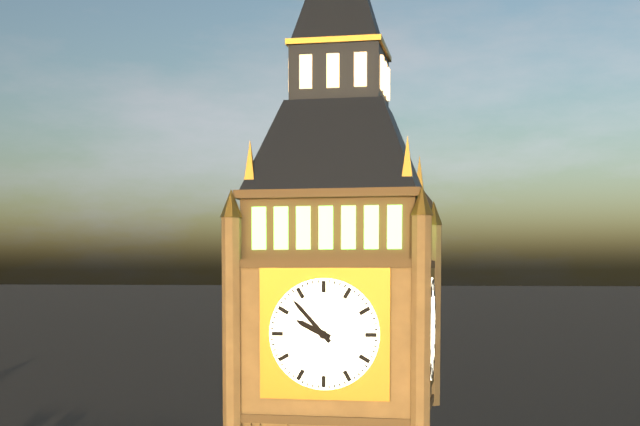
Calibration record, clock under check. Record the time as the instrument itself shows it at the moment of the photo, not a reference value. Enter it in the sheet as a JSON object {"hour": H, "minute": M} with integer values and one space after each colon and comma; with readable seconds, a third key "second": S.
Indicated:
{"hour": 9, "minute": 53}
